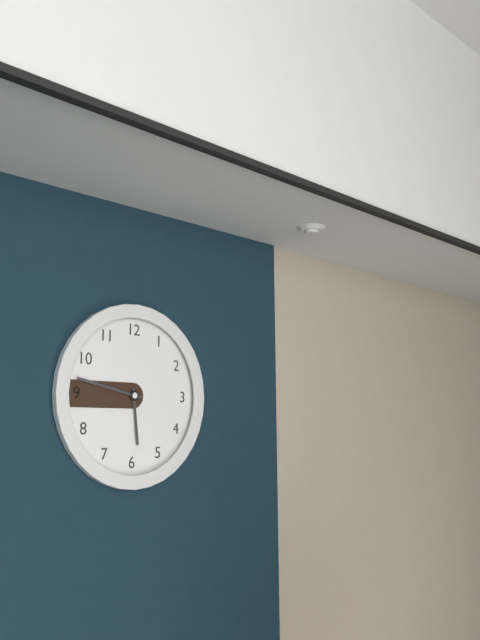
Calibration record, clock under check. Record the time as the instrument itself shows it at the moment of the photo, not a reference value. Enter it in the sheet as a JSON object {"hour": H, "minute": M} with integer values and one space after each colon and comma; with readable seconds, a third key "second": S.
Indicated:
{"hour": 5, "minute": 47}
